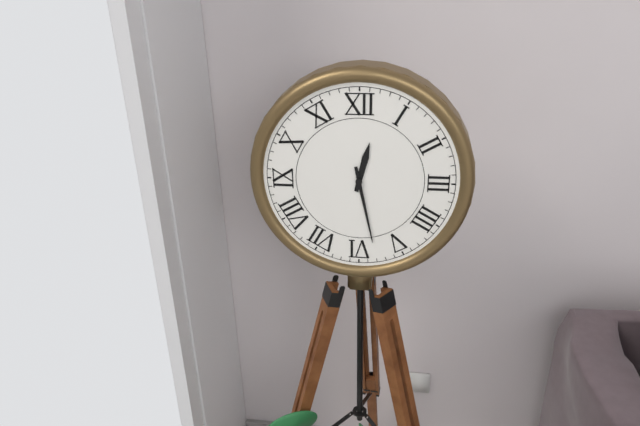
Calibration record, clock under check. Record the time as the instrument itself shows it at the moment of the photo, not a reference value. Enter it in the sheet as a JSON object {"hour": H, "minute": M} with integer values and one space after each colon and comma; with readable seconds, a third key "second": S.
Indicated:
{"hour": 12, "minute": 28}
